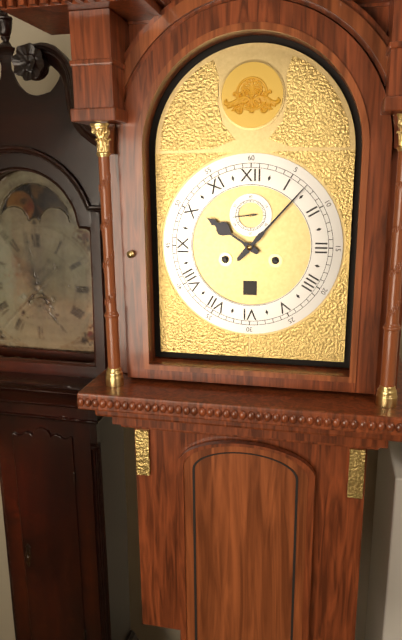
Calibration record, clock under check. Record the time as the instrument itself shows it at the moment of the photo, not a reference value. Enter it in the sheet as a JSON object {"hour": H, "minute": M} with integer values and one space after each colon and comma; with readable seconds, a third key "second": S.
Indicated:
{"hour": 10, "minute": 7}
